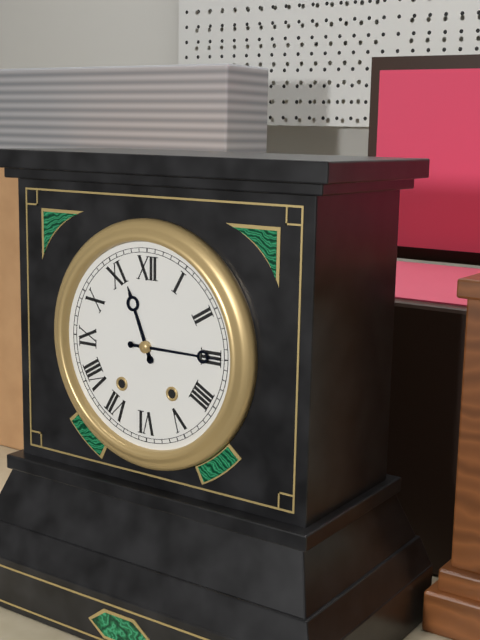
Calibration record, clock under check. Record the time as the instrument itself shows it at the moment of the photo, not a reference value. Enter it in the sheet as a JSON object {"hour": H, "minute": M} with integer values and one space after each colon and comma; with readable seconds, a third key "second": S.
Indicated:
{"hour": 11, "minute": 15}
